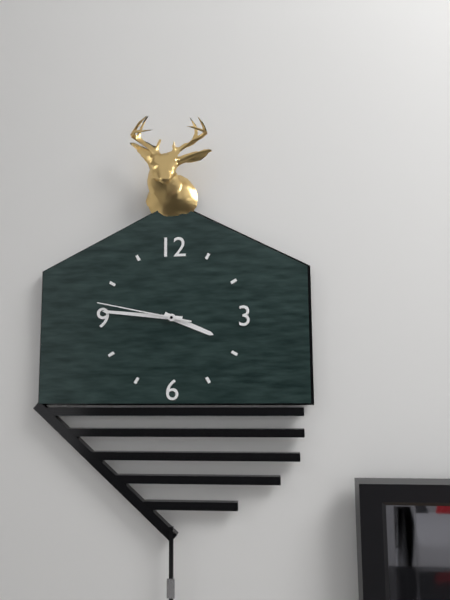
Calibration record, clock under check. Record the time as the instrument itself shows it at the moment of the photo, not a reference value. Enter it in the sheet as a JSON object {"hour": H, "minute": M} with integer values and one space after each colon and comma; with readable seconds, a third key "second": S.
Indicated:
{"hour": 3, "minute": 46, "second": 47}
